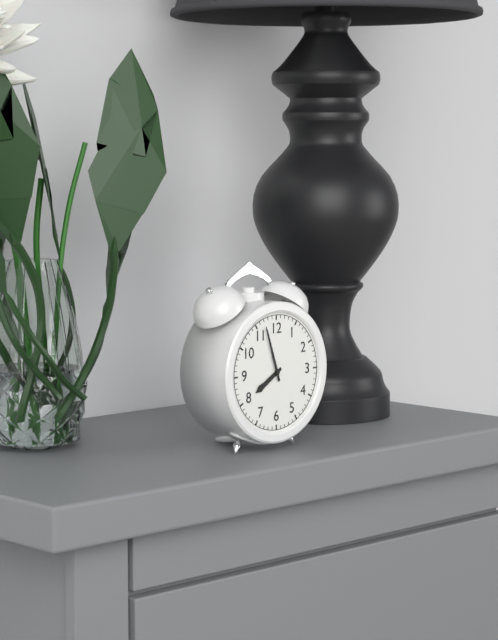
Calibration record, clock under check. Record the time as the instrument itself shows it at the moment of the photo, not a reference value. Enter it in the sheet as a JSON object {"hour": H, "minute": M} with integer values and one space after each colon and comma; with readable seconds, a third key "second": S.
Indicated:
{"hour": 7, "minute": 57}
